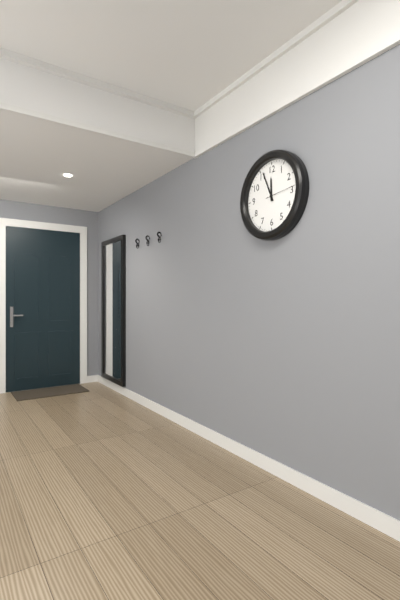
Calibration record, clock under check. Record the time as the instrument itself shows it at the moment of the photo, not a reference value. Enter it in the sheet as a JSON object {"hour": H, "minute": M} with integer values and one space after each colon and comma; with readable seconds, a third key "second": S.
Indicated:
{"hour": 11, "minute": 56}
